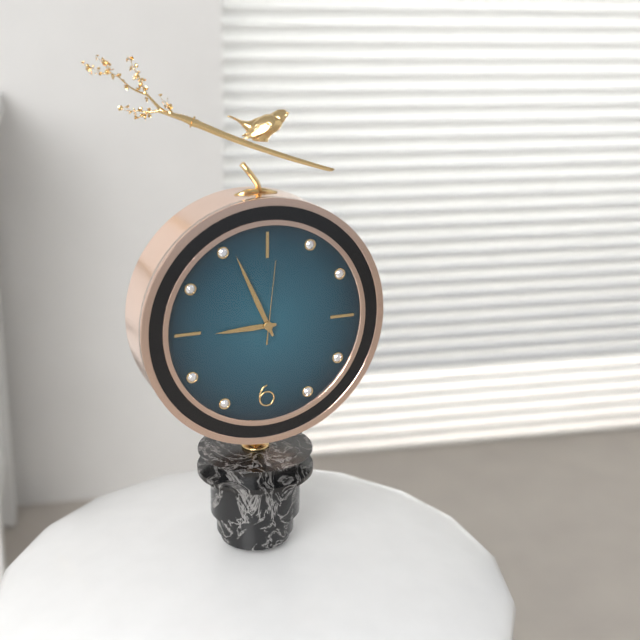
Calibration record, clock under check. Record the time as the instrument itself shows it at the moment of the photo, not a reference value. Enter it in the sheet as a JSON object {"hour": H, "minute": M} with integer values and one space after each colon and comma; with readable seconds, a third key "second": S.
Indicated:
{"hour": 8, "minute": 56, "second": 1}
